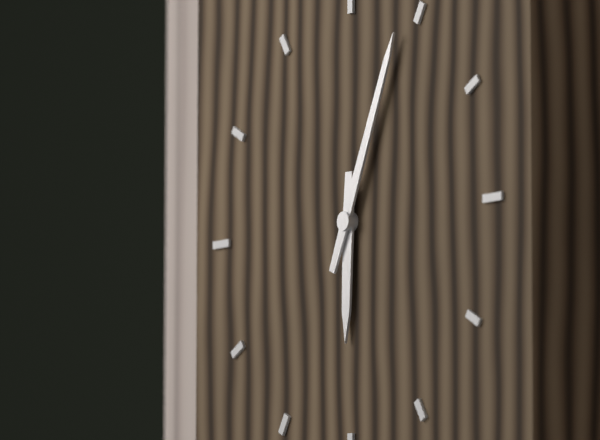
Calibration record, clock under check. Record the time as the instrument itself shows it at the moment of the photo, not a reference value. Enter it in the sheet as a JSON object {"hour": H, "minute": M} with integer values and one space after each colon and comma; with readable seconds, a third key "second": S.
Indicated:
{"hour": 6, "minute": 4}
